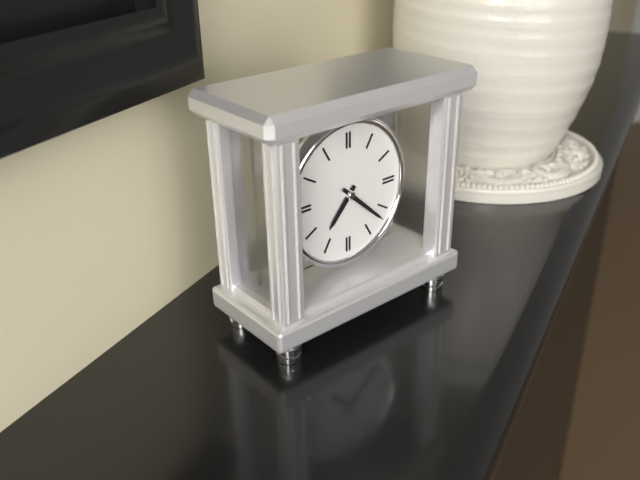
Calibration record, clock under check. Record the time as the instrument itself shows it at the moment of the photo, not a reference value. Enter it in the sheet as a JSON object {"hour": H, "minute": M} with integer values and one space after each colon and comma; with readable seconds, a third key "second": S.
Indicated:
{"hour": 7, "minute": 22}
